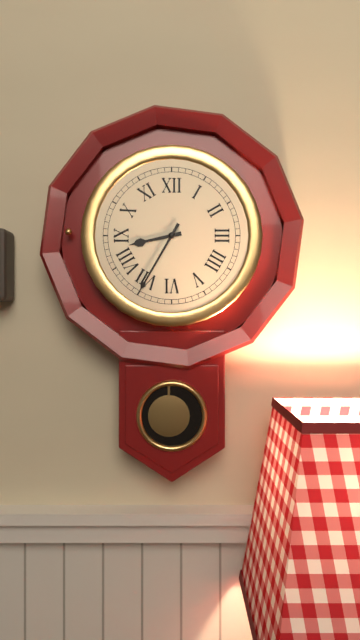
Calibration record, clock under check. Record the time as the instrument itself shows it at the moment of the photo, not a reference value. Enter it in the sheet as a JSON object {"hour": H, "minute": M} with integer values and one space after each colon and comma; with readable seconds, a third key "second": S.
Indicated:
{"hour": 8, "minute": 35}
